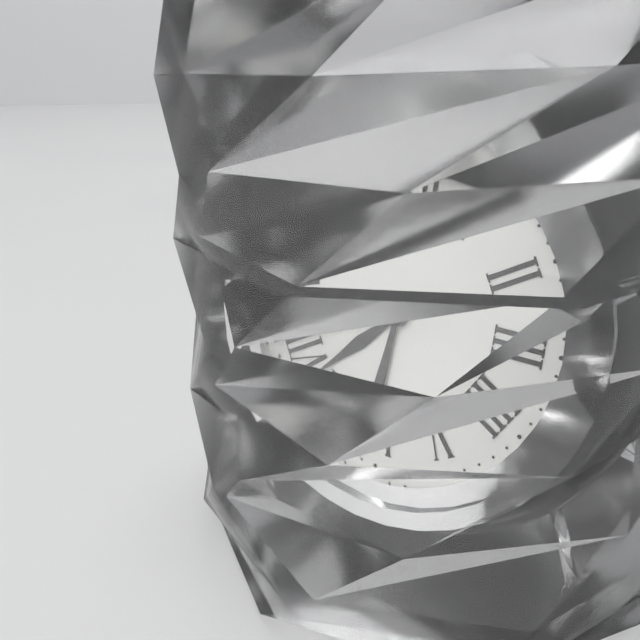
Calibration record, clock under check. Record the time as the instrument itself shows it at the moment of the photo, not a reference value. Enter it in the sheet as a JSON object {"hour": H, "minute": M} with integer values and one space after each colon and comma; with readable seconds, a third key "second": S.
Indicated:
{"hour": 7, "minute": 31, "second": 41}
